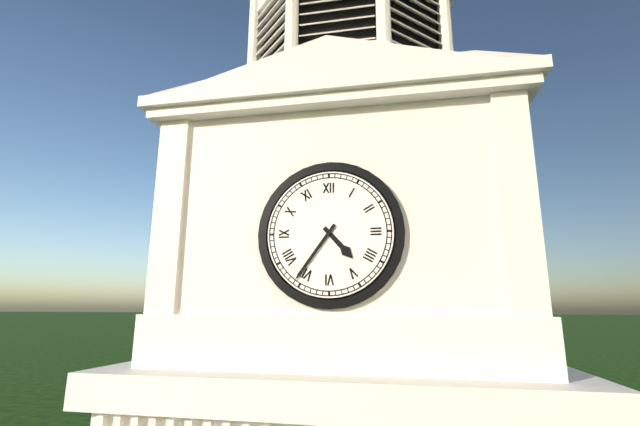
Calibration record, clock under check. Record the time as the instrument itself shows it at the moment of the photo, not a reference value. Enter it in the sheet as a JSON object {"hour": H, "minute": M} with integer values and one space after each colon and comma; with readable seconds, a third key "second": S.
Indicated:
{"hour": 4, "minute": 36}
